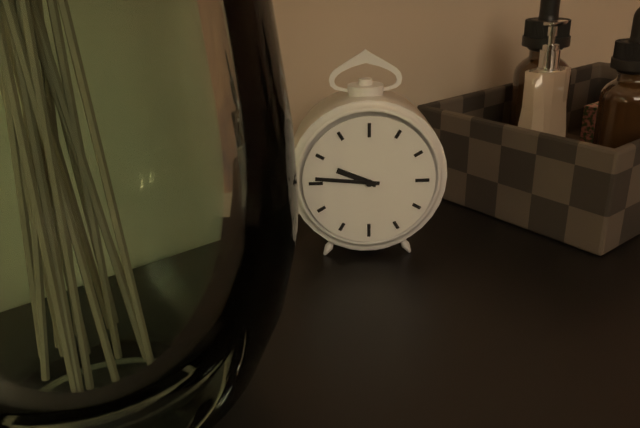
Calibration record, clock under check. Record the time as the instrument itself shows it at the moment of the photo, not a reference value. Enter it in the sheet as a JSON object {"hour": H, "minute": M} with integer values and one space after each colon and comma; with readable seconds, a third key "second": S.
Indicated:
{"hour": 9, "minute": 46}
